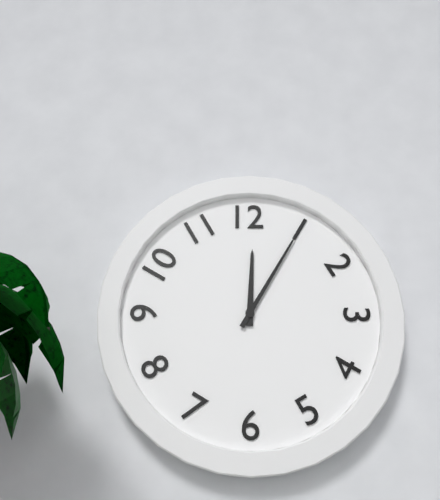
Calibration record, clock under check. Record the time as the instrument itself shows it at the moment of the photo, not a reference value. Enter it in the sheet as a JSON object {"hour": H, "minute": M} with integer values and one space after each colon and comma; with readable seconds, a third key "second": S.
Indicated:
{"hour": 12, "minute": 5}
